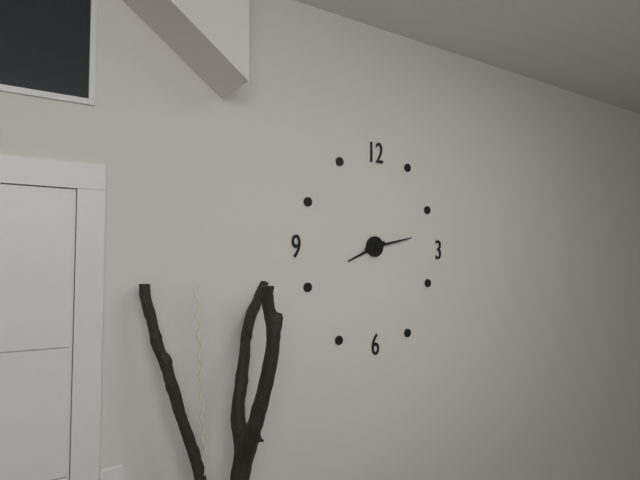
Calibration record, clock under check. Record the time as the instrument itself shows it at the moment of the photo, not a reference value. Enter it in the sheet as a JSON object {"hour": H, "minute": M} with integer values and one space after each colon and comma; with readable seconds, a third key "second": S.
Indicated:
{"hour": 8, "minute": 13}
